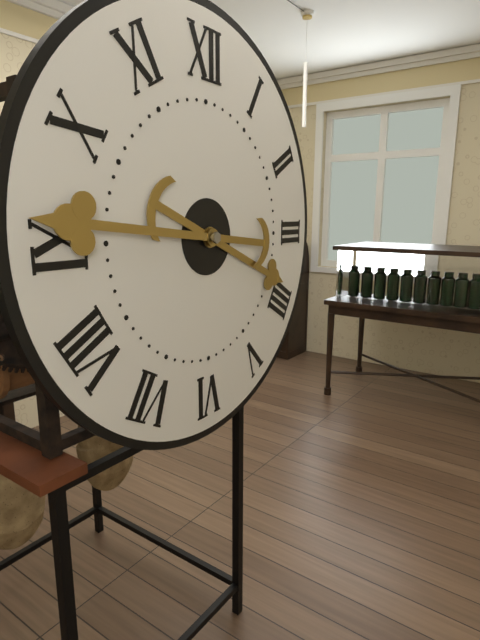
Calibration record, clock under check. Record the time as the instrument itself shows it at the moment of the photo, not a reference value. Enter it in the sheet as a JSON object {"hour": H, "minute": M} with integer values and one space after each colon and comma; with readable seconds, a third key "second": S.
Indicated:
{"hour": 3, "minute": 46}
